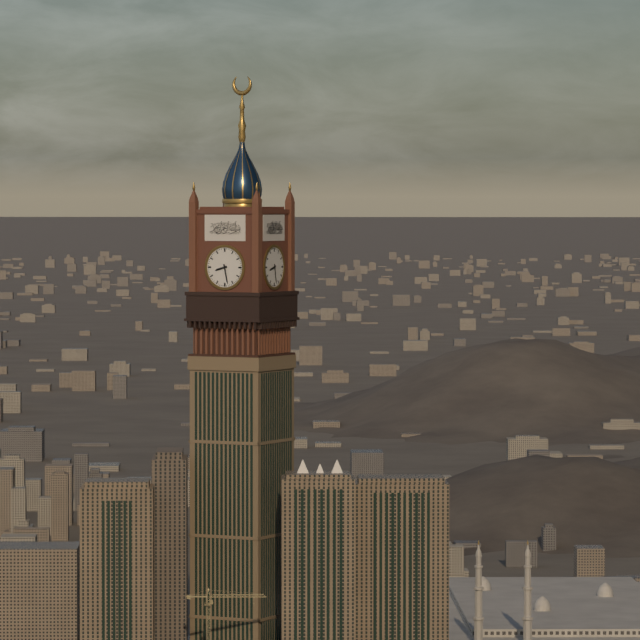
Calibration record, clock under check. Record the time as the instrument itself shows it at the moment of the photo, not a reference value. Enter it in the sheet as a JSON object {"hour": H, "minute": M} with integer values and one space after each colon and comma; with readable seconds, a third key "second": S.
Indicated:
{"hour": 8, "minute": 28}
